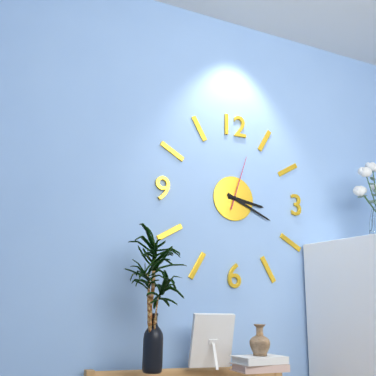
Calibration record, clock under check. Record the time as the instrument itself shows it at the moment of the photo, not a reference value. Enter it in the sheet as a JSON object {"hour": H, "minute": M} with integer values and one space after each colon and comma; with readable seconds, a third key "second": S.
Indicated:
{"hour": 3, "minute": 19, "second": 3}
